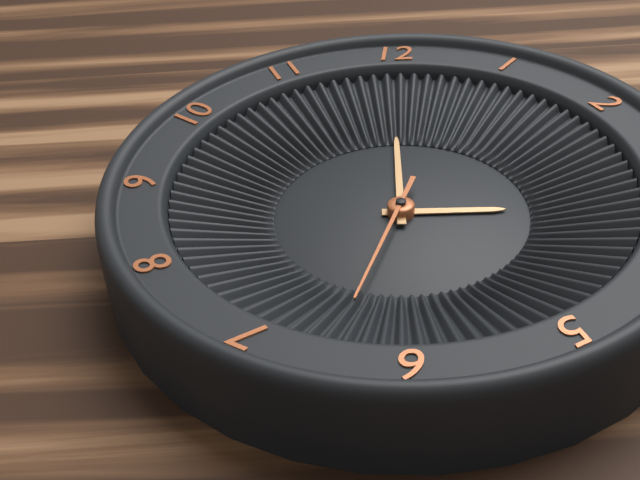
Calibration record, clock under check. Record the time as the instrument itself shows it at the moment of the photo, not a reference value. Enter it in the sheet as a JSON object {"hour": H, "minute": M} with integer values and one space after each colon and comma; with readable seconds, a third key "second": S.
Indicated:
{"hour": 3, "minute": 0, "second": 33}
